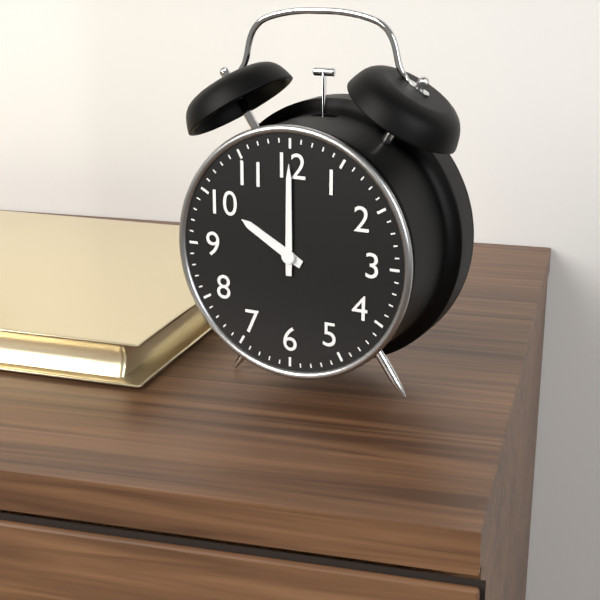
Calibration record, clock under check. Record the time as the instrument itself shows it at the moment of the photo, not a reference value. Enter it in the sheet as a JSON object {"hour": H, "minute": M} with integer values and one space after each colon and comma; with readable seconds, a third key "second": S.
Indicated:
{"hour": 10, "minute": 0}
